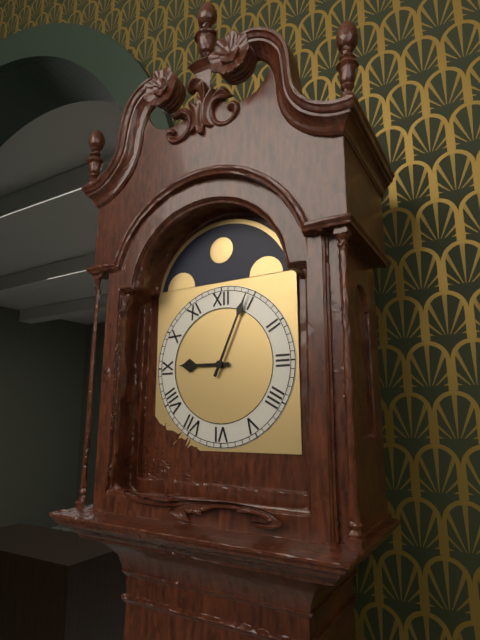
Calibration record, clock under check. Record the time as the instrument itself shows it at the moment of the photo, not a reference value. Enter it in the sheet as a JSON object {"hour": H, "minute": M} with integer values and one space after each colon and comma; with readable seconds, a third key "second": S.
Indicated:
{"hour": 9, "minute": 4}
